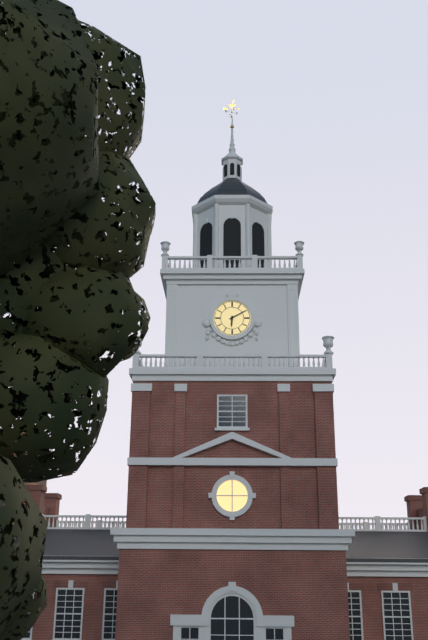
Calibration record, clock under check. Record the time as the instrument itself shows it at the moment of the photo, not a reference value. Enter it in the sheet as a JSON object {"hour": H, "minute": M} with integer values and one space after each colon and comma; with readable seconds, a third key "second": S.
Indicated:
{"hour": 6, "minute": 10}
